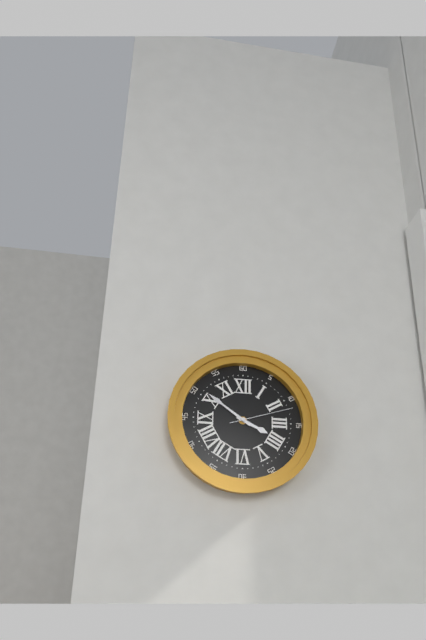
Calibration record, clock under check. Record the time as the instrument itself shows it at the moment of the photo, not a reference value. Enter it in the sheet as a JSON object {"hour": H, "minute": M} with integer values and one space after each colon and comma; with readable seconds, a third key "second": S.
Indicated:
{"hour": 3, "minute": 51, "second": 12}
